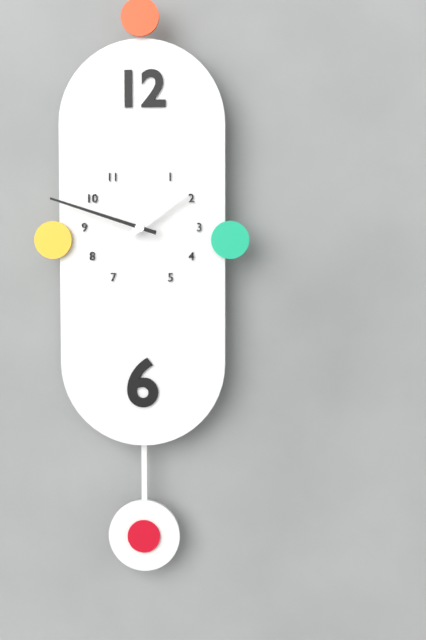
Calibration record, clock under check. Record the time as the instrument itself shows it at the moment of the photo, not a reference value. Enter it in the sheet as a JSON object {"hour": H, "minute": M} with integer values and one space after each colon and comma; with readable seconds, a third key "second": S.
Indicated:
{"hour": 1, "minute": 48}
